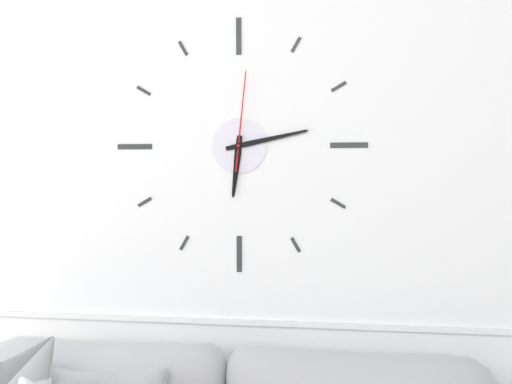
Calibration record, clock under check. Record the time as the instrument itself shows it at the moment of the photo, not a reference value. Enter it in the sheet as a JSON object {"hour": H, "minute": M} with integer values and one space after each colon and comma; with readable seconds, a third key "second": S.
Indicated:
{"hour": 6, "minute": 13, "second": 1}
